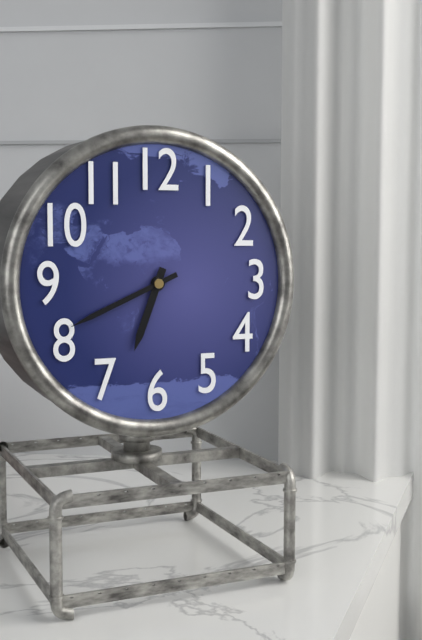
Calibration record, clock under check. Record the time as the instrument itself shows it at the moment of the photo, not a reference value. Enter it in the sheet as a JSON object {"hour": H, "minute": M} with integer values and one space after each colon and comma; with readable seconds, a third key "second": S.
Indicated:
{"hour": 6, "minute": 41}
